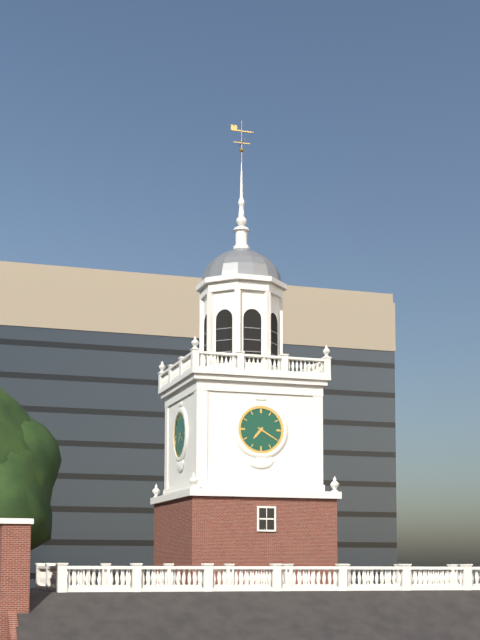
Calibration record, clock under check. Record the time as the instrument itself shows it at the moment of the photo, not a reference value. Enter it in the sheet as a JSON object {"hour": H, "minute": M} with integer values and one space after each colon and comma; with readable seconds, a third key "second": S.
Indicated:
{"hour": 7, "minute": 20}
